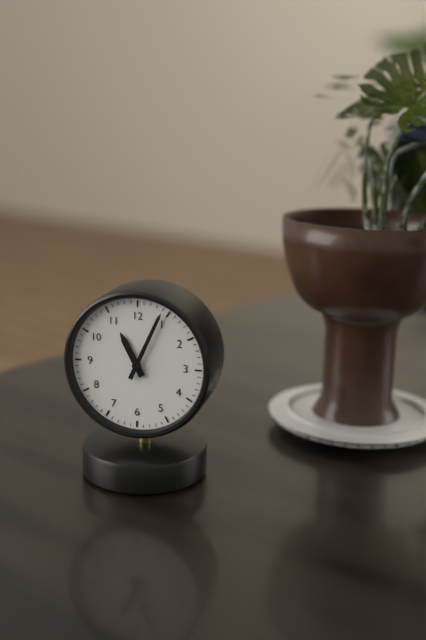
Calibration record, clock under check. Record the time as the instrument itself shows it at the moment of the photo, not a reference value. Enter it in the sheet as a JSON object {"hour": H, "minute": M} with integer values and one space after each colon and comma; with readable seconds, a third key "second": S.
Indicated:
{"hour": 11, "minute": 4}
